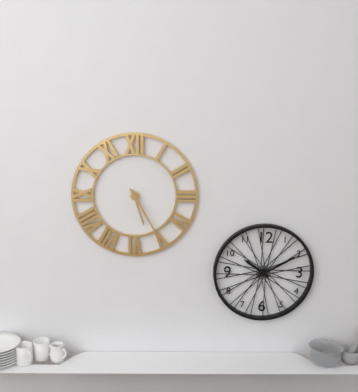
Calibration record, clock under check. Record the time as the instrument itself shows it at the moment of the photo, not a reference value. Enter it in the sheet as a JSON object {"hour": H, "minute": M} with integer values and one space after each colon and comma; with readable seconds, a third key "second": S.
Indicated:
{"hour": 5, "minute": 25}
